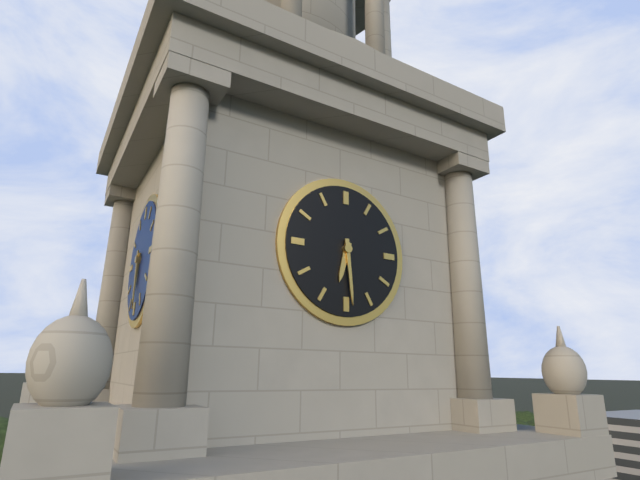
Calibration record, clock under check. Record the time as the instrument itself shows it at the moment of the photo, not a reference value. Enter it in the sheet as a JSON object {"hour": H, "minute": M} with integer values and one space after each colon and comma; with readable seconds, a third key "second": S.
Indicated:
{"hour": 6, "minute": 29}
